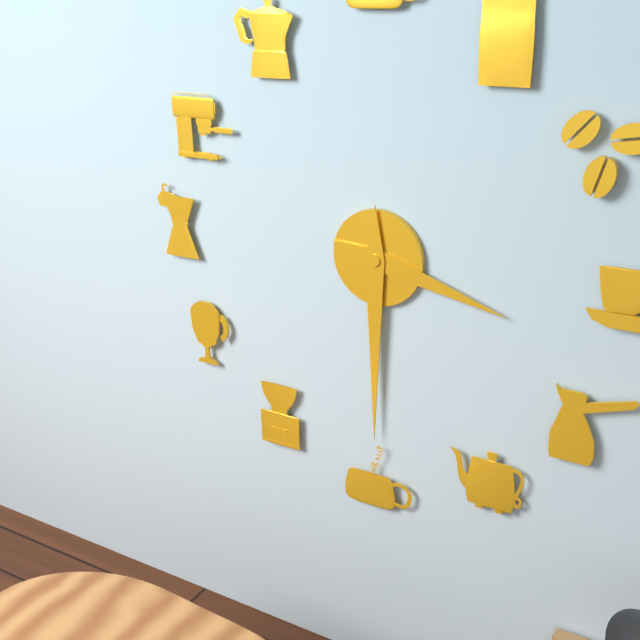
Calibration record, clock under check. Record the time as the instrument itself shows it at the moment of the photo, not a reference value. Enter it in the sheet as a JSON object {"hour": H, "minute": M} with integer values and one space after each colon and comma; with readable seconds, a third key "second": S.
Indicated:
{"hour": 3, "minute": 30}
